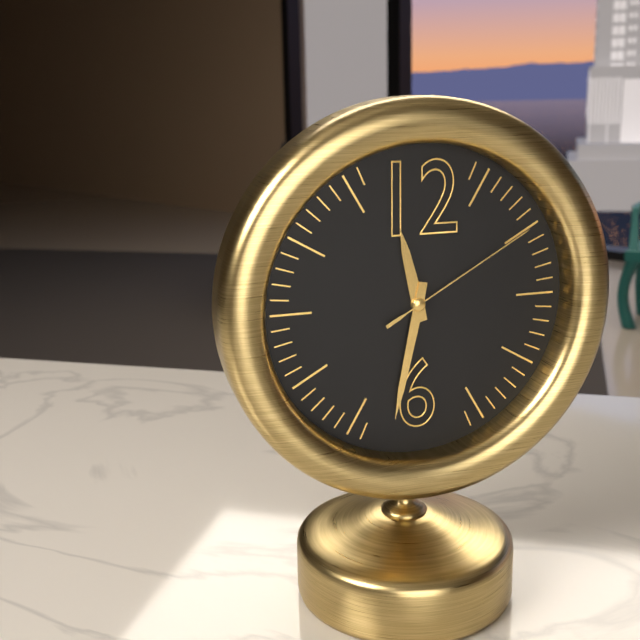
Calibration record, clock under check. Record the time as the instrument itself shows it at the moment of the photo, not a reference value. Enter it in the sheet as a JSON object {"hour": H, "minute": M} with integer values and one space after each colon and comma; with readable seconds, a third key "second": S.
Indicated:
{"hour": 11, "minute": 32, "second": 10}
